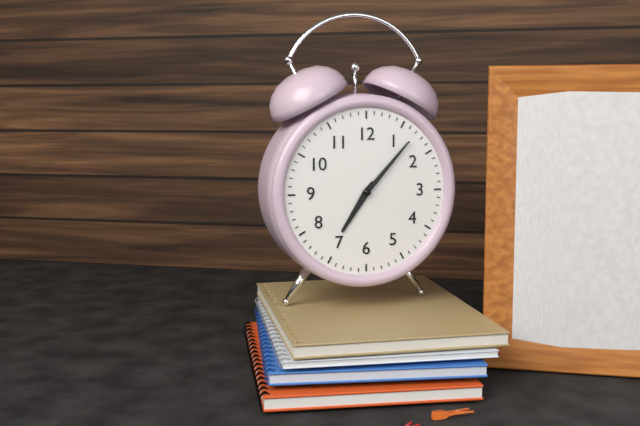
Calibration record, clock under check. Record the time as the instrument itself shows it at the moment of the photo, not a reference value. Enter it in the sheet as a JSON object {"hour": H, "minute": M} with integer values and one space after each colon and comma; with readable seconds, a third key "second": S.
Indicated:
{"hour": 7, "minute": 7}
